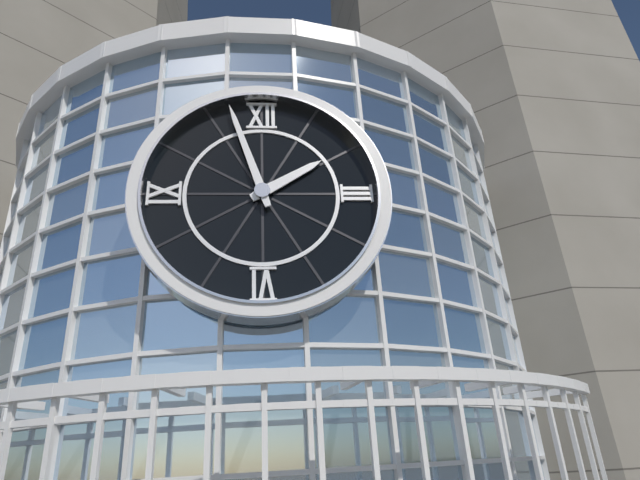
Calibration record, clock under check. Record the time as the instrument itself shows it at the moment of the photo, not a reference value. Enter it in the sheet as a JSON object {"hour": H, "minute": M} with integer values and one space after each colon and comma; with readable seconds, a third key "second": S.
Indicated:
{"hour": 1, "minute": 57}
